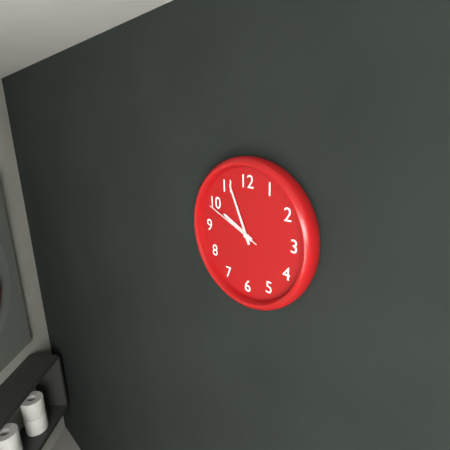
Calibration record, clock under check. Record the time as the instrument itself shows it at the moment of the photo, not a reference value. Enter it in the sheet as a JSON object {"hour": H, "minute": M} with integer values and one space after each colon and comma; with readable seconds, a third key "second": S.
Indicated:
{"hour": 9, "minute": 56, "second": 49}
